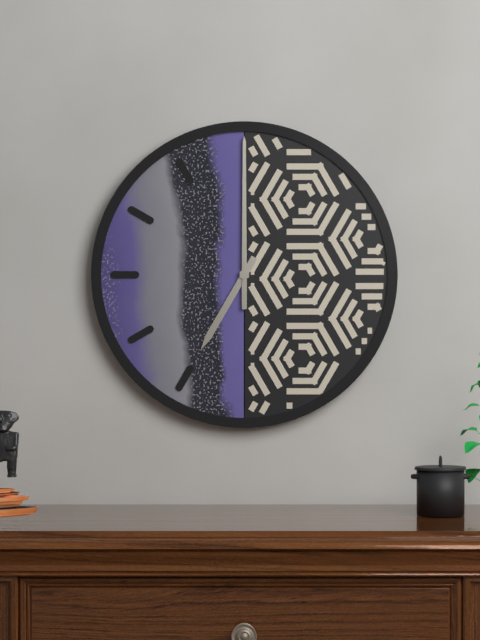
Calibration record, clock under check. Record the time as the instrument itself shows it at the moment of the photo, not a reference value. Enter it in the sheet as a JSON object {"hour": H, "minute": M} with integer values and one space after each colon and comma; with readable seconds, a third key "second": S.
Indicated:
{"hour": 7, "minute": 0}
